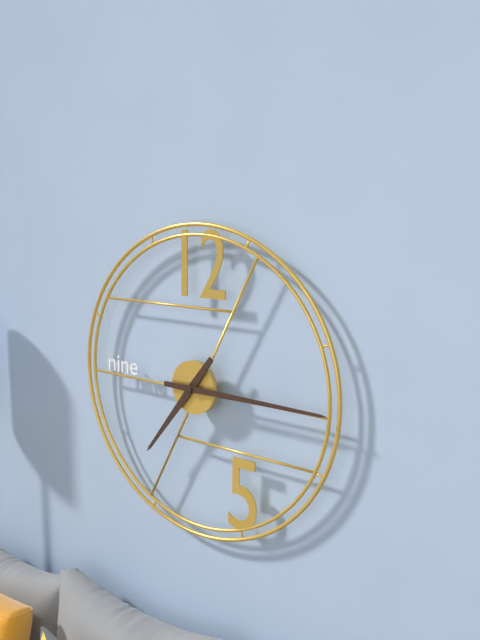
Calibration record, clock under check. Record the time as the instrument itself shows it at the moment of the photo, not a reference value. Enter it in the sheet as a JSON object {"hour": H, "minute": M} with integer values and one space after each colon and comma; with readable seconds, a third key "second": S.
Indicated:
{"hour": 7, "minute": 15}
